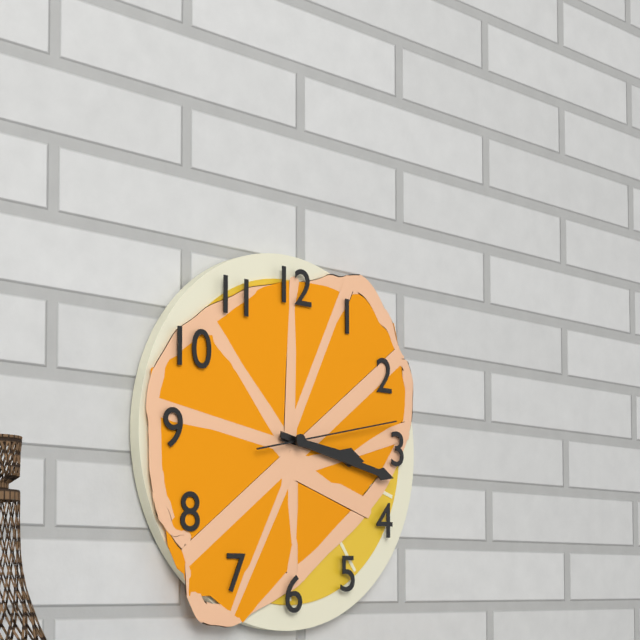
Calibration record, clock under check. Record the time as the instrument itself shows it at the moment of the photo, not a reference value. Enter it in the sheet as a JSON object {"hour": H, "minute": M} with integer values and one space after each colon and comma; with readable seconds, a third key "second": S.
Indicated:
{"hour": 3, "minute": 17, "second": 13}
